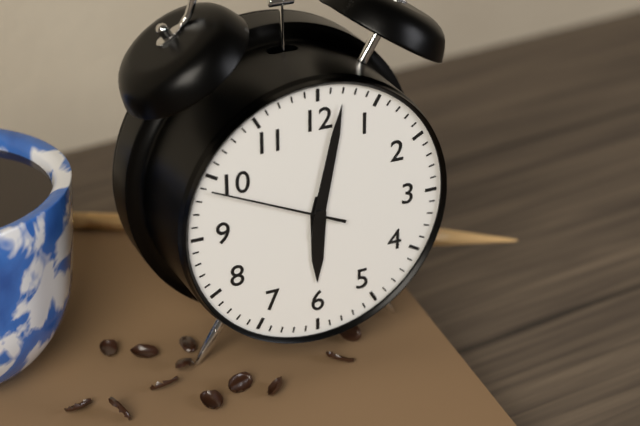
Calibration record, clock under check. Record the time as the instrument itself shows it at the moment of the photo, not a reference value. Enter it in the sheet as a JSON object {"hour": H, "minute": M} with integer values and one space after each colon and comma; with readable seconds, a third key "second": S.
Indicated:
{"hour": 6, "minute": 2, "second": 49}
